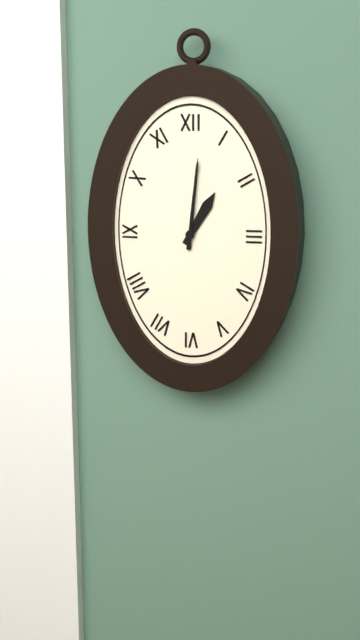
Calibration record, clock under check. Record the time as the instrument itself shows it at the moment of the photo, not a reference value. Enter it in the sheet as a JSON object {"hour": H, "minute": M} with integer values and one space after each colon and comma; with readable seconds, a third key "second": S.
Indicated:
{"hour": 1, "minute": 1}
